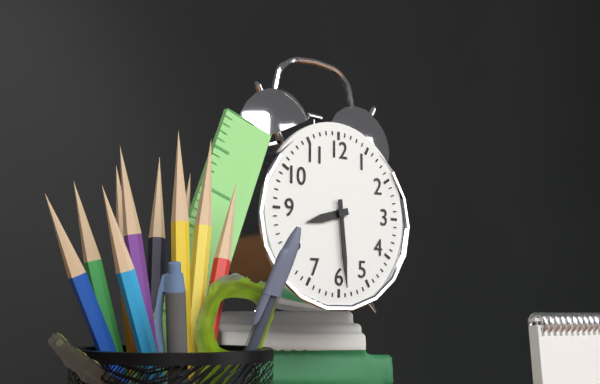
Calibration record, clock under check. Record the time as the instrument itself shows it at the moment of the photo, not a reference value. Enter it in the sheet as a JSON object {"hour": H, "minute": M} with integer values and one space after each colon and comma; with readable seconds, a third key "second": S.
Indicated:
{"hour": 8, "minute": 29}
